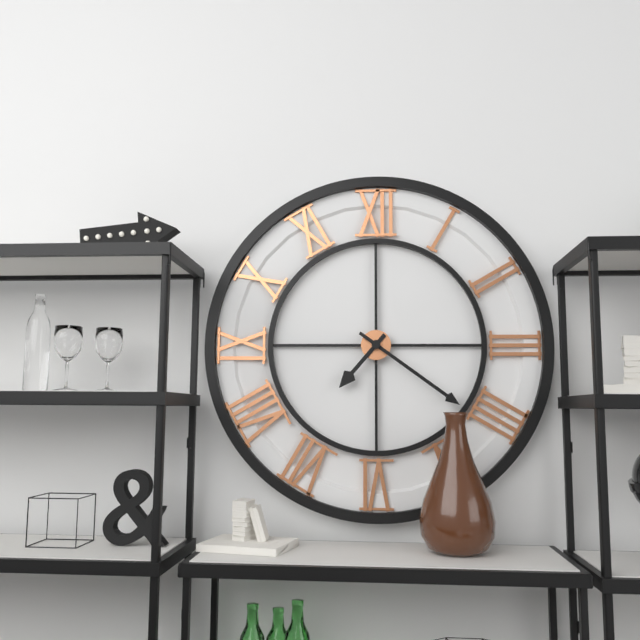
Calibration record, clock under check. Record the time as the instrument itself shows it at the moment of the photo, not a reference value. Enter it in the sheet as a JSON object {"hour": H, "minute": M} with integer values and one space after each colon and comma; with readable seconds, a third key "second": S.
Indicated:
{"hour": 7, "minute": 21}
